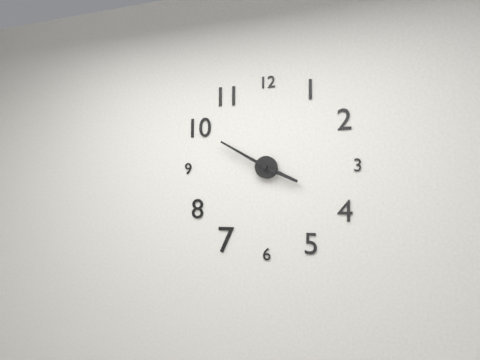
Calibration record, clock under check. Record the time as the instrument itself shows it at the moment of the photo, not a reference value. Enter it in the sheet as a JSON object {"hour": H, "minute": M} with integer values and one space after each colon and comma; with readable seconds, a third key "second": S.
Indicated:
{"hour": 3, "minute": 50}
